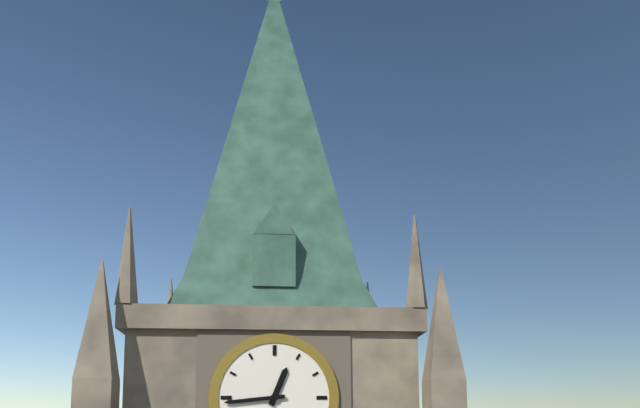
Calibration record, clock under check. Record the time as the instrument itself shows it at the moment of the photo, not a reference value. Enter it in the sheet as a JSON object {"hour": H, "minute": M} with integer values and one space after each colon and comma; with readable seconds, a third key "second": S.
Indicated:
{"hour": 12, "minute": 44}
